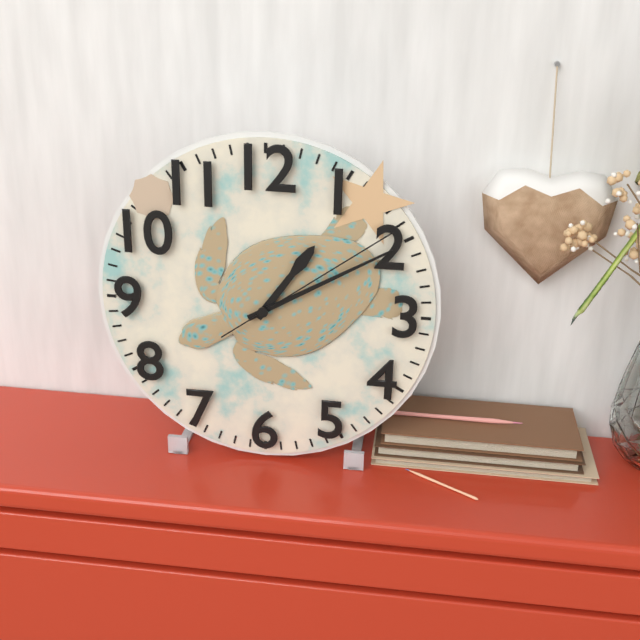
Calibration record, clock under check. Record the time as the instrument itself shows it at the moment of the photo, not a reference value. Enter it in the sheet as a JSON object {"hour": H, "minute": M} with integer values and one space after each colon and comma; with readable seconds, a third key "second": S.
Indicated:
{"hour": 1, "minute": 10, "second": 9}
